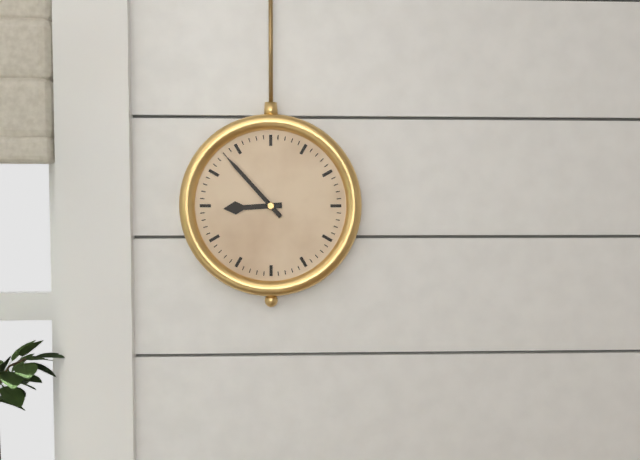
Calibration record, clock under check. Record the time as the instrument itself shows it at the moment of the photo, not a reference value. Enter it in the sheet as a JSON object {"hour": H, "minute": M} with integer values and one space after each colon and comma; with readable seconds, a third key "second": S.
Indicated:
{"hour": 8, "minute": 53}
